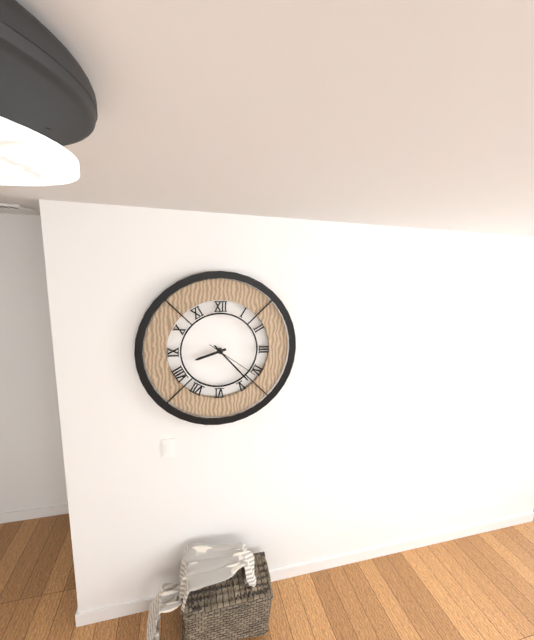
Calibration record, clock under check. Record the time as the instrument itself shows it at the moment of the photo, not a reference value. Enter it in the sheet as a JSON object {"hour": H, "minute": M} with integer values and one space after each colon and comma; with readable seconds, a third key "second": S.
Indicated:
{"hour": 8, "minute": 23, "second": 21}
